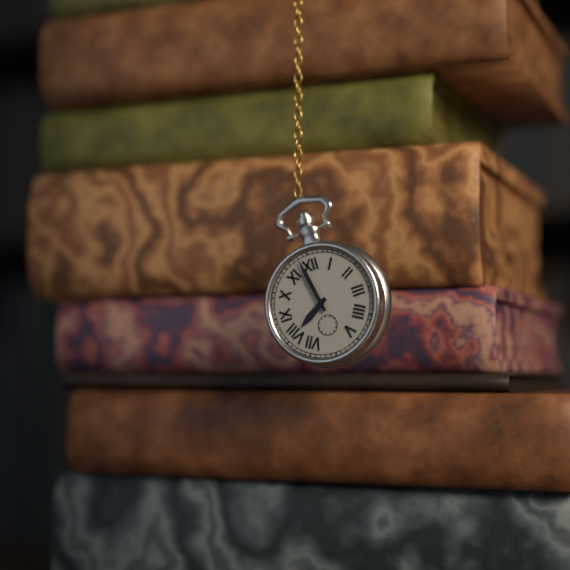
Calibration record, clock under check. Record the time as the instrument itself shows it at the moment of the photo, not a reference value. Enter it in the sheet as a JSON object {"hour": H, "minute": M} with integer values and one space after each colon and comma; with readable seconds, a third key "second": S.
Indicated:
{"hour": 7, "minute": 58}
